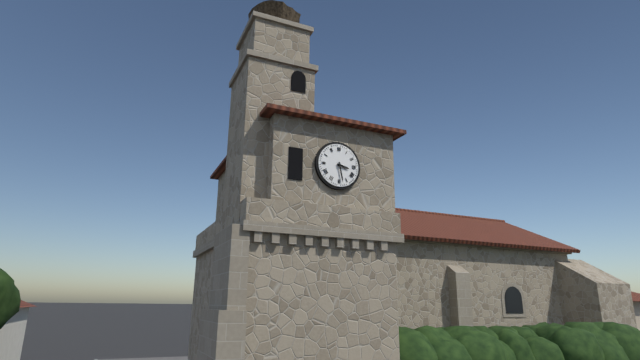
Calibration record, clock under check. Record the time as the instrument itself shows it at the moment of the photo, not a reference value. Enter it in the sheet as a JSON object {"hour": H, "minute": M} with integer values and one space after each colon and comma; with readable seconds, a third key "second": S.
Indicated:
{"hour": 3, "minute": 28}
